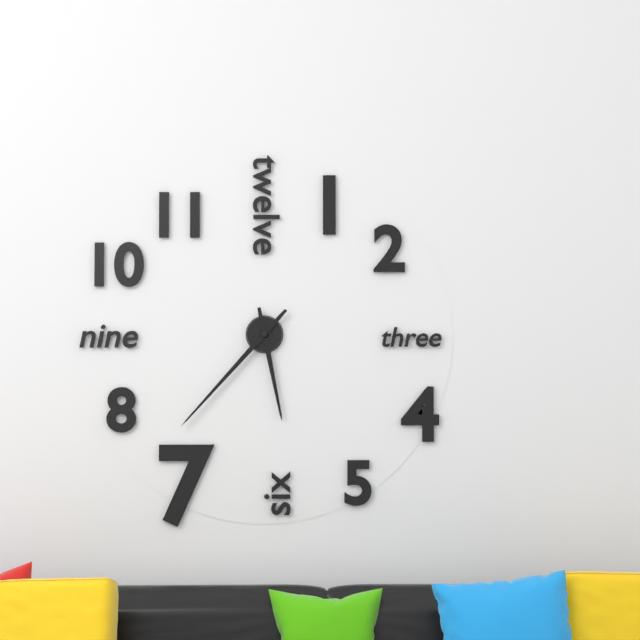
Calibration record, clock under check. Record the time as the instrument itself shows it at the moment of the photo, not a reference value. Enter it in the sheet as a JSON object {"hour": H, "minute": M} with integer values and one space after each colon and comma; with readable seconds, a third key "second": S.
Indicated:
{"hour": 5, "minute": 37}
